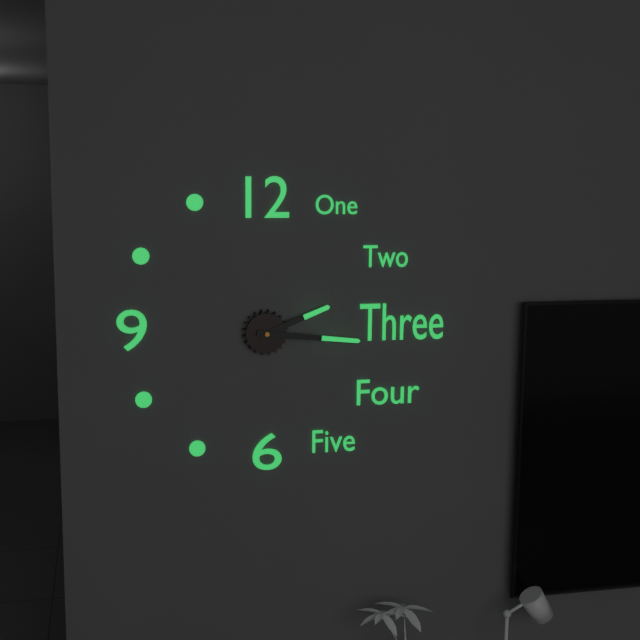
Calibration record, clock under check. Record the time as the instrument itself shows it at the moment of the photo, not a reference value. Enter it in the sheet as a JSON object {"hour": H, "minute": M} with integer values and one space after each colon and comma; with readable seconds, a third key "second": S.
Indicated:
{"hour": 2, "minute": 16}
